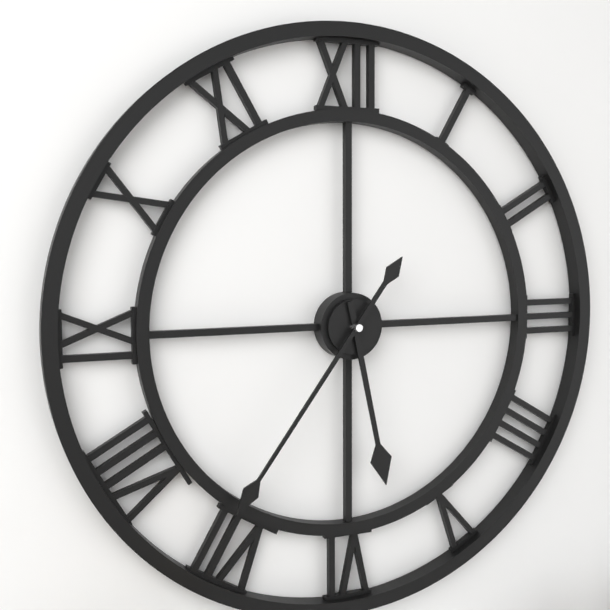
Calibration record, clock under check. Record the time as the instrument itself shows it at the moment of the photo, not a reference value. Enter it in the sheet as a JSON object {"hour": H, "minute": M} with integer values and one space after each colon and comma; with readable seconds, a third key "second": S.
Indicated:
{"hour": 5, "minute": 36}
